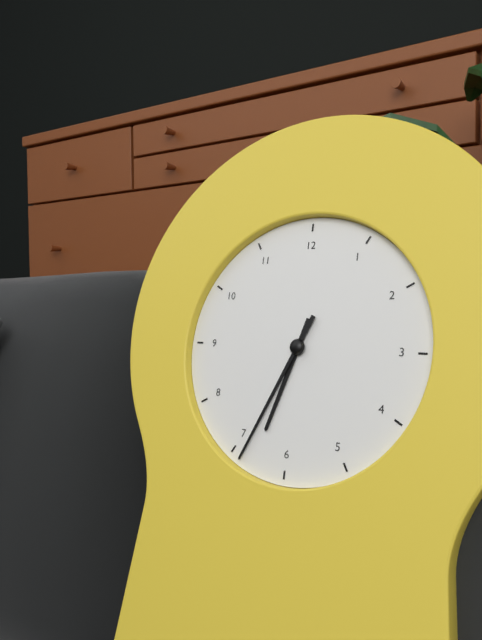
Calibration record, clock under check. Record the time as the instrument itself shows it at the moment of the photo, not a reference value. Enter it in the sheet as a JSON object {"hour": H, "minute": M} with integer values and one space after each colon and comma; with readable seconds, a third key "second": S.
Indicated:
{"hour": 6, "minute": 34}
